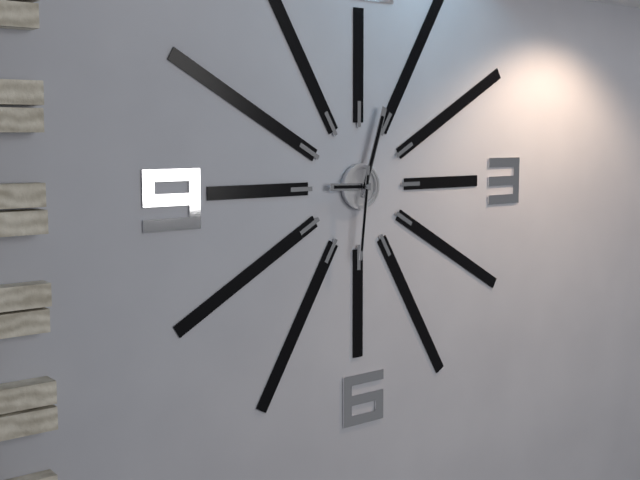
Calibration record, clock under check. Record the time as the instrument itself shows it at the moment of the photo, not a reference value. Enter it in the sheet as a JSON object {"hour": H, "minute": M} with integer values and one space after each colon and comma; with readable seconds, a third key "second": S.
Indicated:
{"hour": 9, "minute": 3, "second": 31}
